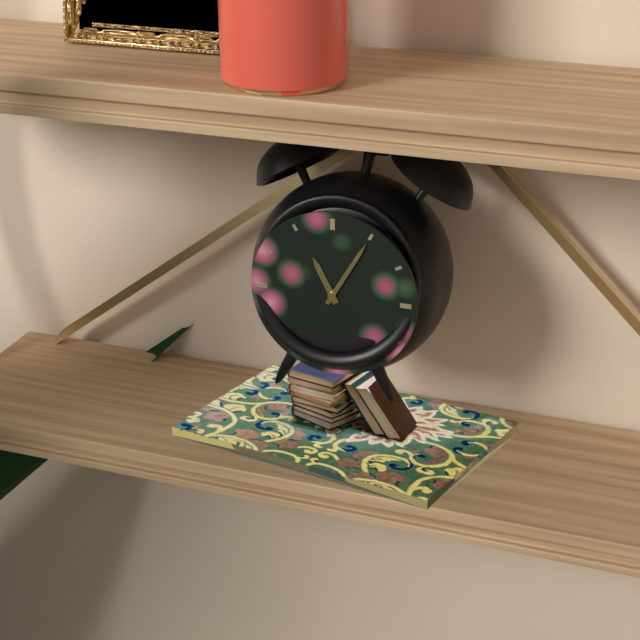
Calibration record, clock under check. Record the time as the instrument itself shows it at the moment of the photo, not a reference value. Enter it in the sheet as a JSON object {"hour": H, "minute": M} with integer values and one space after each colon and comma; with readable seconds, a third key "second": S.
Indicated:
{"hour": 11, "minute": 5}
